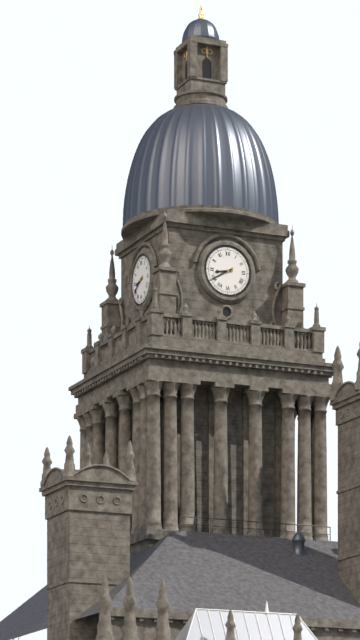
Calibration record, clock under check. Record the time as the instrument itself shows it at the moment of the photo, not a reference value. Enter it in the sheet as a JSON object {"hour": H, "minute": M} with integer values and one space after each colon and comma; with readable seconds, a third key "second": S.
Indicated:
{"hour": 8, "minute": 40}
